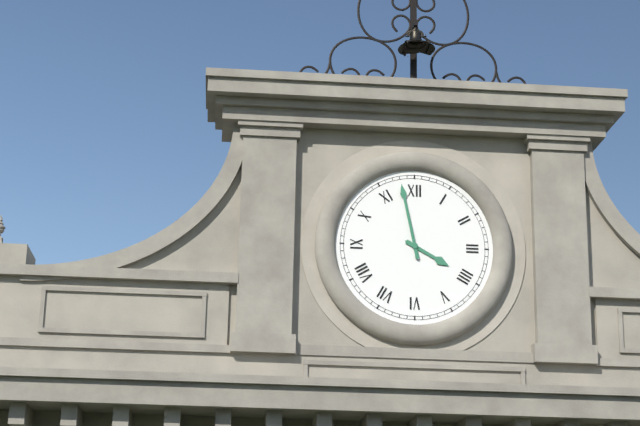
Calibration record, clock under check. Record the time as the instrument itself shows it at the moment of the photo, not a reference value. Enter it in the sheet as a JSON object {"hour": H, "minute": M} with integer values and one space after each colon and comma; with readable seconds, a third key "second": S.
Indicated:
{"hour": 3, "minute": 58}
